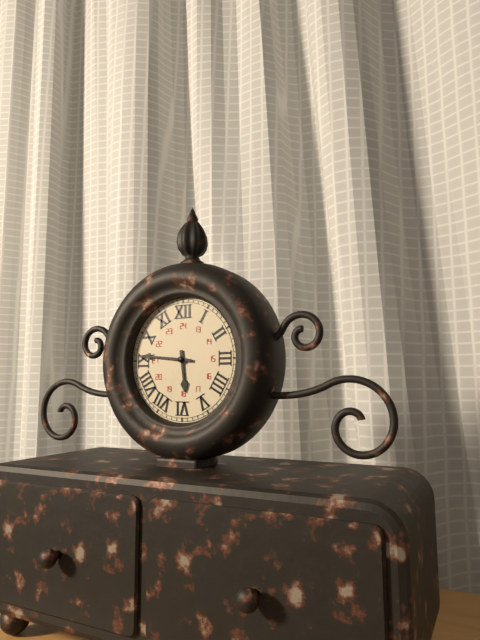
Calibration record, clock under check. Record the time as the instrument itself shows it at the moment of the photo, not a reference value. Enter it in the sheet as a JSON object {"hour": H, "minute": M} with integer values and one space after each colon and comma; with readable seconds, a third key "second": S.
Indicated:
{"hour": 5, "minute": 46}
